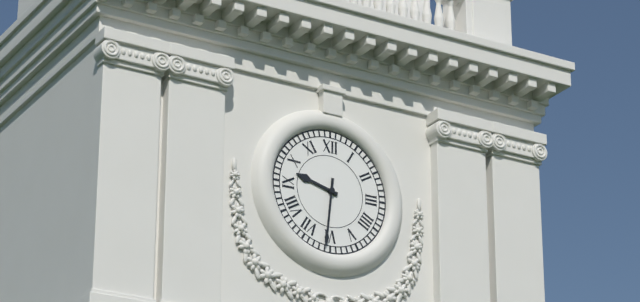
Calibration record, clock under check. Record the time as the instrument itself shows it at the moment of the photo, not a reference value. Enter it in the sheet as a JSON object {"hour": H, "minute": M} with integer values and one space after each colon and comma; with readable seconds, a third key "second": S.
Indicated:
{"hour": 9, "minute": 31}
